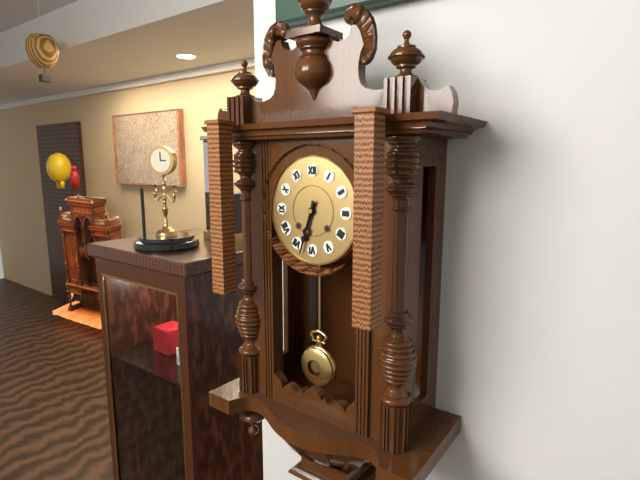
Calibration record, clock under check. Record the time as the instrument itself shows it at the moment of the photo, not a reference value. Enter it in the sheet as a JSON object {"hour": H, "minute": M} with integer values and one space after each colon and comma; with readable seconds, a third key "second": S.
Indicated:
{"hour": 6, "minute": 33}
